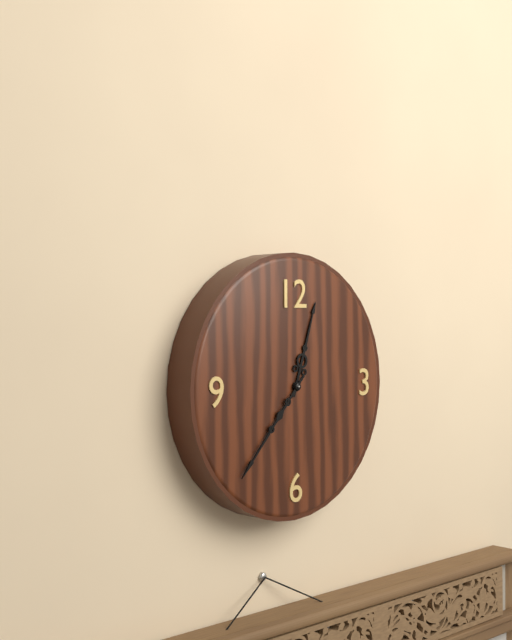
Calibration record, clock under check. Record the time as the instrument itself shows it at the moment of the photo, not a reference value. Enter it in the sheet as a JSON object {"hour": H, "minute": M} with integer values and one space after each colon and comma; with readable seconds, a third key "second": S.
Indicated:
{"hour": 12, "minute": 37}
